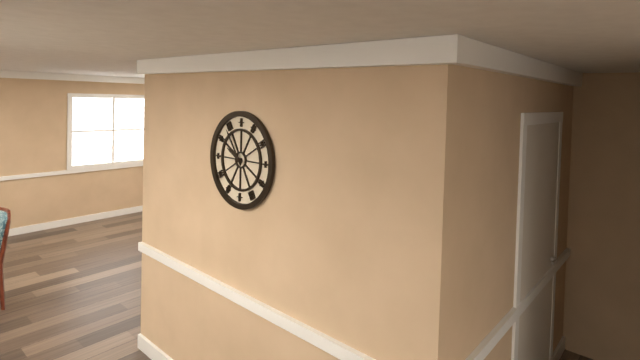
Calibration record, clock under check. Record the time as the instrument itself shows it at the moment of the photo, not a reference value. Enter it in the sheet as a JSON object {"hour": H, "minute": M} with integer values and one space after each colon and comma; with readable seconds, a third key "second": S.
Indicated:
{"hour": 9, "minute": 54}
